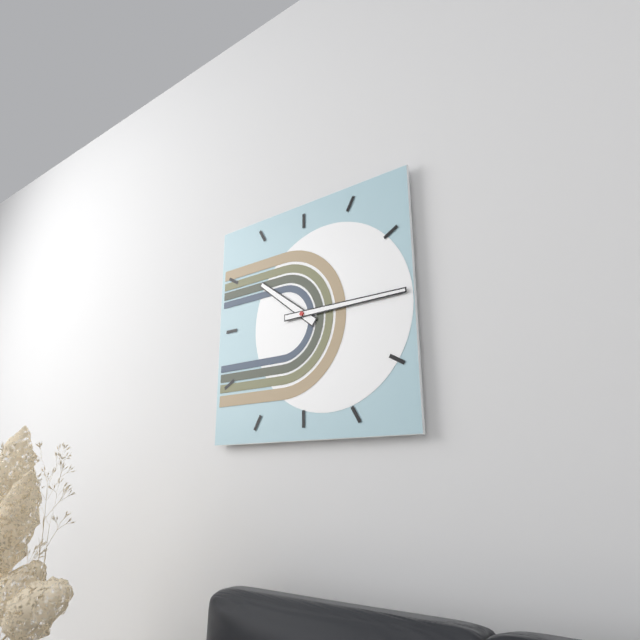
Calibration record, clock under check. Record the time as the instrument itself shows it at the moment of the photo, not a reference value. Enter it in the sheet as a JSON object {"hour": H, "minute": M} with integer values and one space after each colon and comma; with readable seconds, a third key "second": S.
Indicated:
{"hour": 10, "minute": 15}
